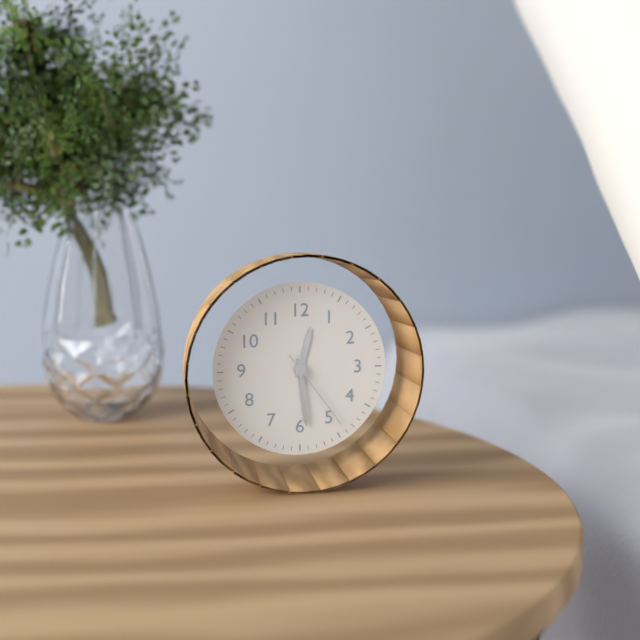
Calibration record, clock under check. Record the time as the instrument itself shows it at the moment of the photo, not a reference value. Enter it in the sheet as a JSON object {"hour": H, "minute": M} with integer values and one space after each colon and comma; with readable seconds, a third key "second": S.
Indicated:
{"hour": 12, "minute": 29, "second": 24}
